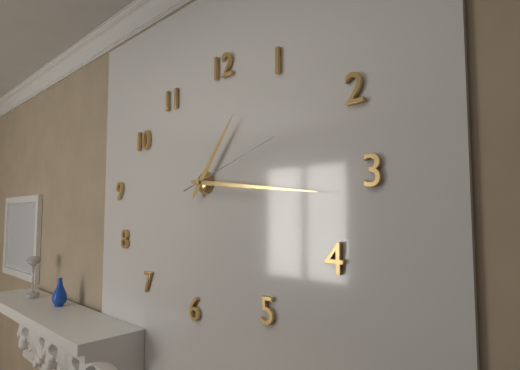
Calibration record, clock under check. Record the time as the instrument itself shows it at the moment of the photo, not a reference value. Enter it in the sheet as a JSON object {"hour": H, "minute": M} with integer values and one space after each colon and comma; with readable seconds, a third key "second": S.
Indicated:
{"hour": 1, "minute": 16, "second": 12}
